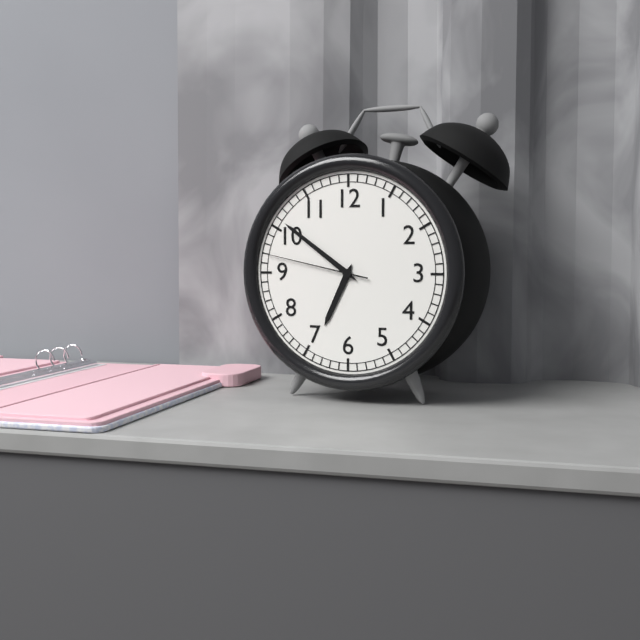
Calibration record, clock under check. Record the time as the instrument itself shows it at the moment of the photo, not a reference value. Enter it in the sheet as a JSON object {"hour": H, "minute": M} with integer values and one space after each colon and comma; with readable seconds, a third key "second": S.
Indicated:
{"hour": 6, "minute": 51, "second": 47}
